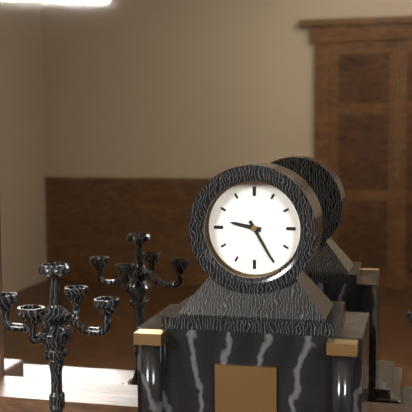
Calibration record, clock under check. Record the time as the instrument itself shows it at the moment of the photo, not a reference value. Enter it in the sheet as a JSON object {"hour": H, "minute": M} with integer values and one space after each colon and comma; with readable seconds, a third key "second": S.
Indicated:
{"hour": 9, "minute": 25}
